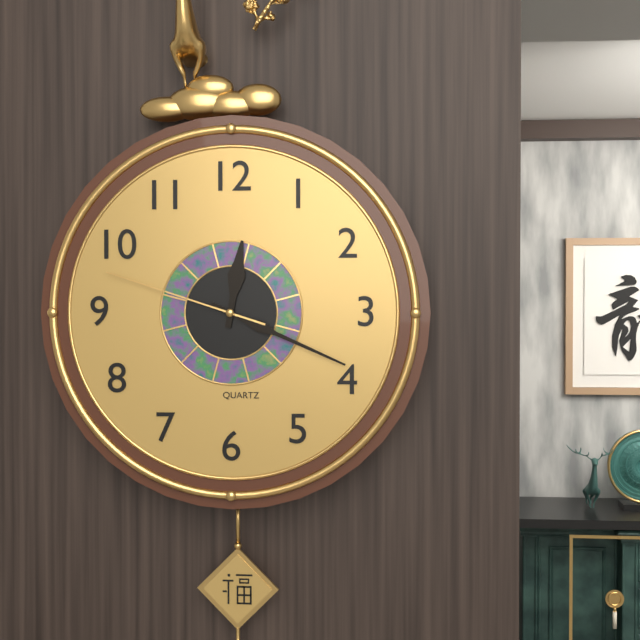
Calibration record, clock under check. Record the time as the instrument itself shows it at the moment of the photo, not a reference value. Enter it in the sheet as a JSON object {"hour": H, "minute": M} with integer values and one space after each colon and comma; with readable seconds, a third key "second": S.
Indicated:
{"hour": 12, "minute": 19, "second": 48}
